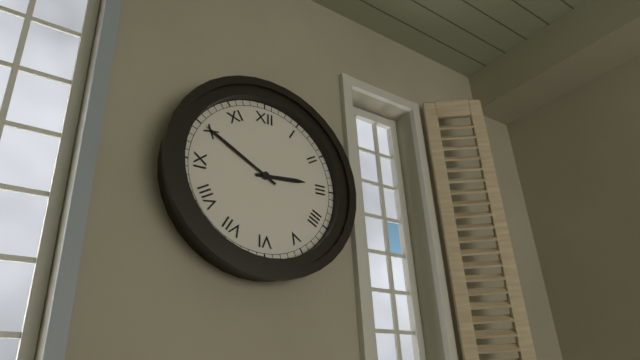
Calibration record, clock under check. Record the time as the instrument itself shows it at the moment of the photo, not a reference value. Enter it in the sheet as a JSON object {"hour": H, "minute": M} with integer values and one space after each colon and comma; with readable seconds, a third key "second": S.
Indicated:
{"hour": 2, "minute": 50}
